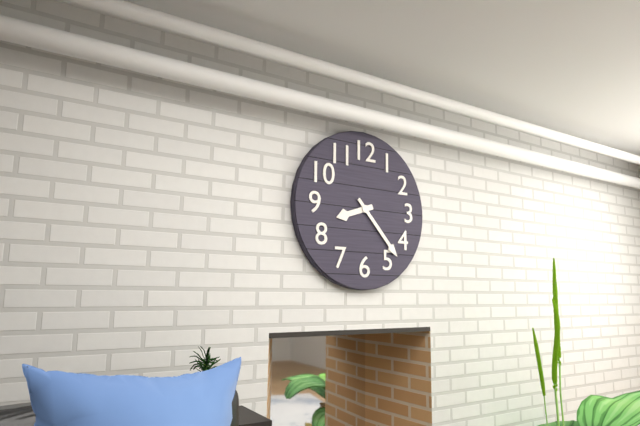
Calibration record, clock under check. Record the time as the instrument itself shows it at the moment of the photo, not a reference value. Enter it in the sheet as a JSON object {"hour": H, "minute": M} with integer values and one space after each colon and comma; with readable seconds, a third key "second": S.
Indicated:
{"hour": 8, "minute": 23}
